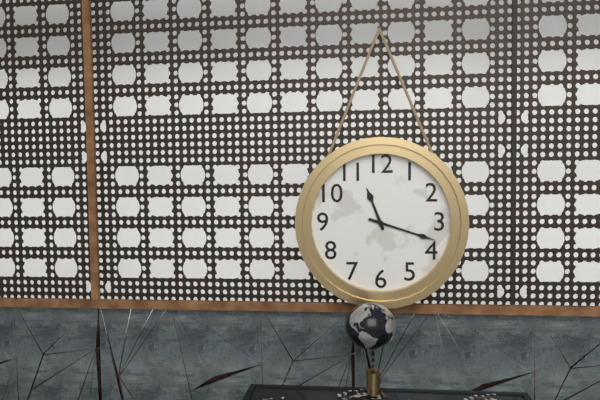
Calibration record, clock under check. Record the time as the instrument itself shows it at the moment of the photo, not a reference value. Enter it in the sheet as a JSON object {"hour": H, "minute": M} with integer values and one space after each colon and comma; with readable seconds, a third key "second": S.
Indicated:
{"hour": 11, "minute": 18}
